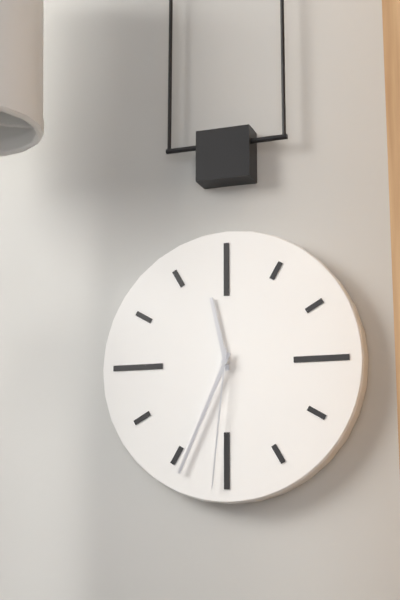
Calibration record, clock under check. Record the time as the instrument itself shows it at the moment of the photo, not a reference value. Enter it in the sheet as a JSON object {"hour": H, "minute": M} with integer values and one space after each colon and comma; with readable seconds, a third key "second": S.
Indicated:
{"hour": 11, "minute": 34, "second": 31}
